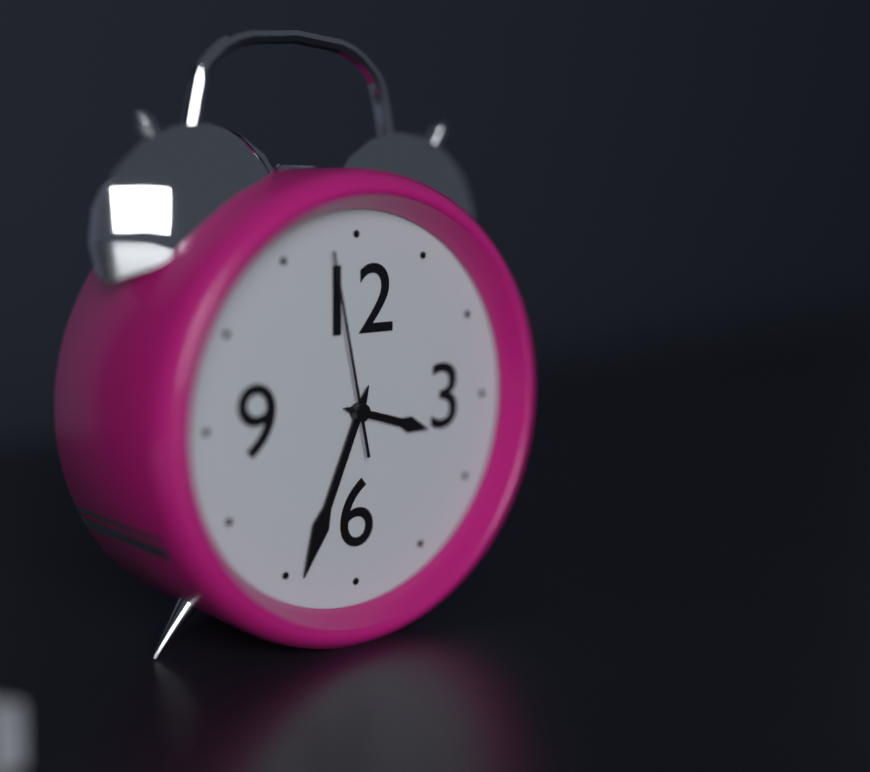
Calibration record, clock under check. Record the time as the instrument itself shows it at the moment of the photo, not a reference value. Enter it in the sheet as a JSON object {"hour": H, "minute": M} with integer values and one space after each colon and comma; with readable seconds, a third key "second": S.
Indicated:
{"hour": 3, "minute": 34, "second": 58}
